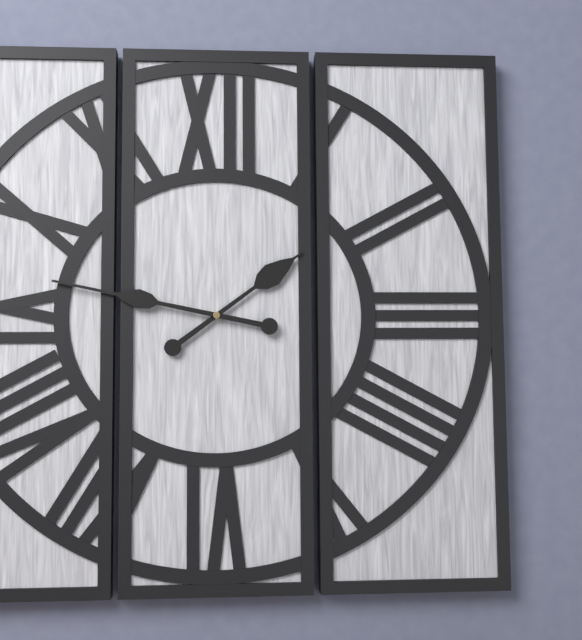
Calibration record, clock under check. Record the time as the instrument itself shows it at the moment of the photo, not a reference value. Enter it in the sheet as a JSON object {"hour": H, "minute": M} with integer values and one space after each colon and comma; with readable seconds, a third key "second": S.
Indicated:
{"hour": 1, "minute": 47}
